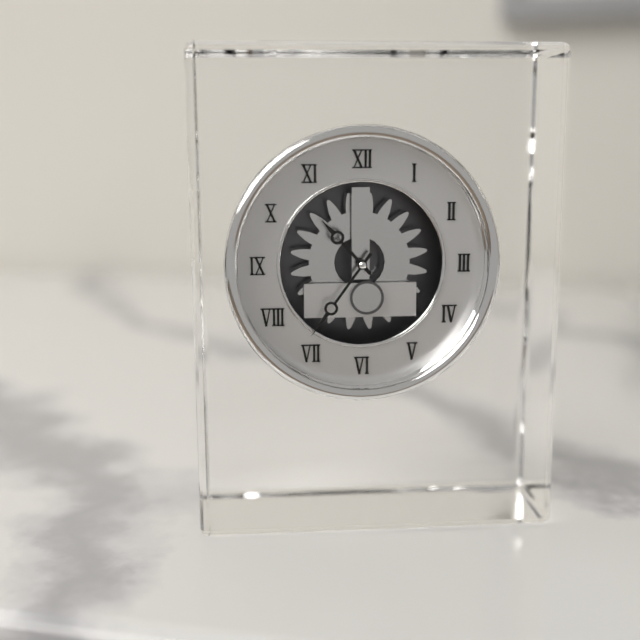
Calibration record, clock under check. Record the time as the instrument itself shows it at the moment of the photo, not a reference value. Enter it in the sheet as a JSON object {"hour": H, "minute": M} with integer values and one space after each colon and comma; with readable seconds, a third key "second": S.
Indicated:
{"hour": 10, "minute": 36}
